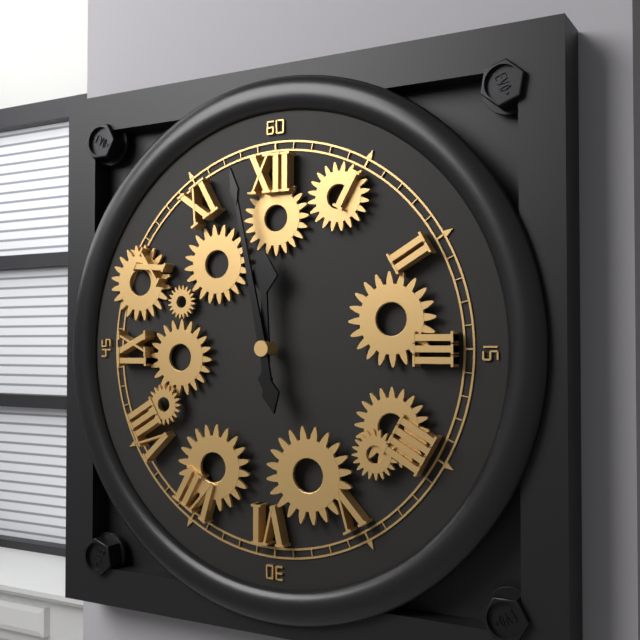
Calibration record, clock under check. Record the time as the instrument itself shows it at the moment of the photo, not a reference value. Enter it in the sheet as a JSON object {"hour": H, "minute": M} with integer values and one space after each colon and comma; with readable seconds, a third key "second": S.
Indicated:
{"hour": 11, "minute": 58}
